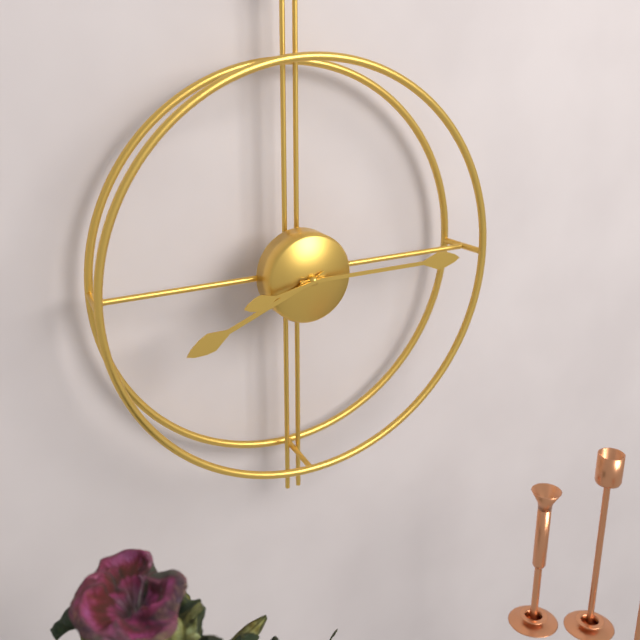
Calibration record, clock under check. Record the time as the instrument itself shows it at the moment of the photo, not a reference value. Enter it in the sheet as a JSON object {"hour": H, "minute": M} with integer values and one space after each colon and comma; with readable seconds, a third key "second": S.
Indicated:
{"hour": 8, "minute": 15, "second": 43}
